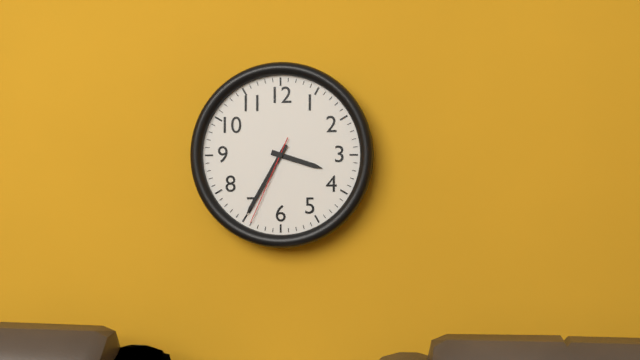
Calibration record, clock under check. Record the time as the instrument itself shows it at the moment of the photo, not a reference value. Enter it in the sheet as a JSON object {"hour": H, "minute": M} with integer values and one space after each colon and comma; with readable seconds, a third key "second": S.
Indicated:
{"hour": 3, "minute": 35, "second": 34}
